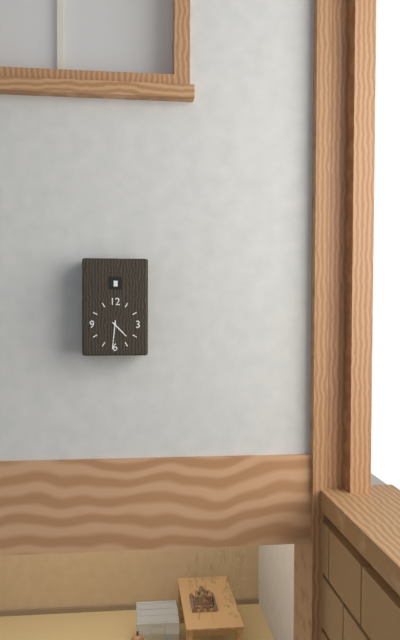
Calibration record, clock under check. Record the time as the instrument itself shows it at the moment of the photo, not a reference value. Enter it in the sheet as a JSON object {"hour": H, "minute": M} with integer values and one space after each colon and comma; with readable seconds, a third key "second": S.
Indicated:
{"hour": 4, "minute": 31}
